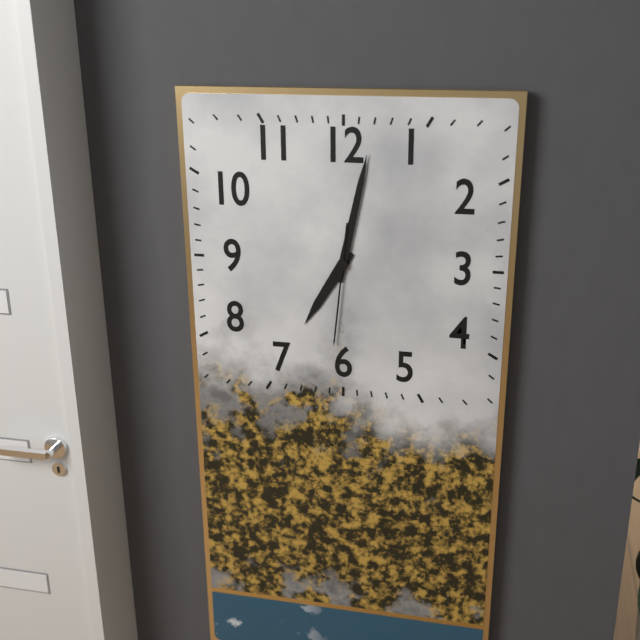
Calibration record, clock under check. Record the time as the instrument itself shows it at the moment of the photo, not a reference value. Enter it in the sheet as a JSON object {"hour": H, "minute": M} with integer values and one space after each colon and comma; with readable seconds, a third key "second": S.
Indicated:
{"hour": 7, "minute": 2, "second": 31}
